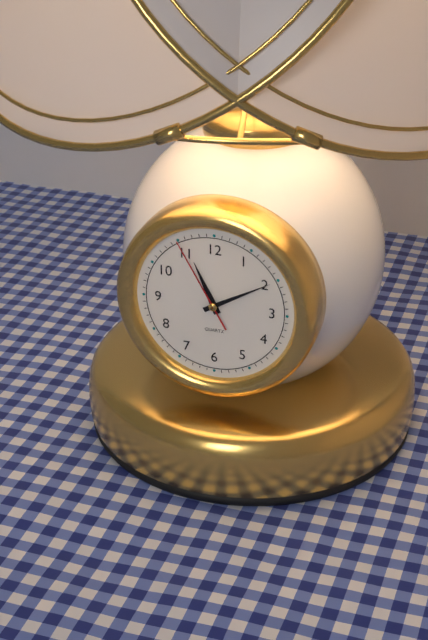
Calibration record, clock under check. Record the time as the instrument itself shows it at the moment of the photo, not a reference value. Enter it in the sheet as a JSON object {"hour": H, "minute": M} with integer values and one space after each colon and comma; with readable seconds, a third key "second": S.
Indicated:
{"hour": 11, "minute": 10, "second": 55}
